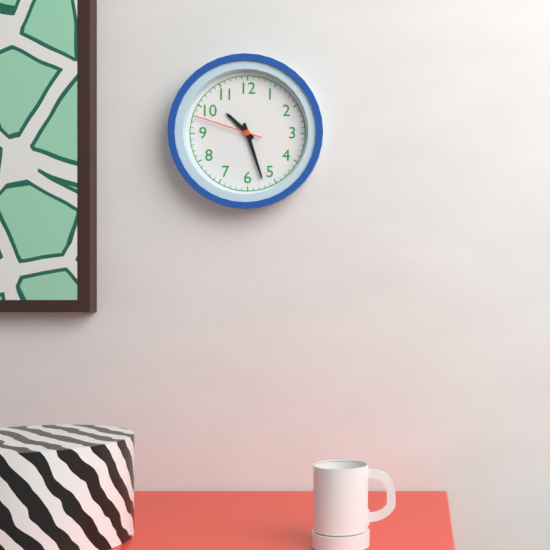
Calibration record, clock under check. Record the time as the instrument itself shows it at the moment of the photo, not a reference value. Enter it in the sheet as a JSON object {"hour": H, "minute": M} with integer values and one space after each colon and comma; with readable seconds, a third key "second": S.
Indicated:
{"hour": 10, "minute": 27, "second": 48}
